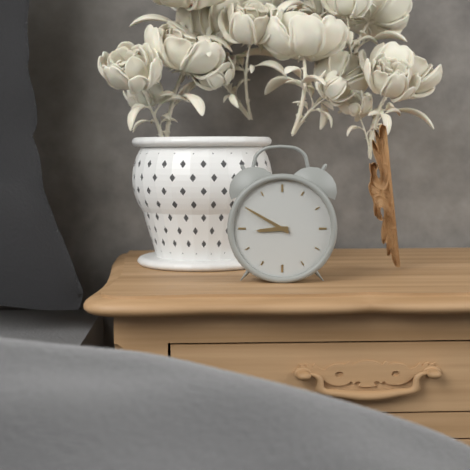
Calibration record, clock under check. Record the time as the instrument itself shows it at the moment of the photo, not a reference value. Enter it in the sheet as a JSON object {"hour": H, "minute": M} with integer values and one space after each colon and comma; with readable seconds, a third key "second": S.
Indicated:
{"hour": 8, "minute": 50}
